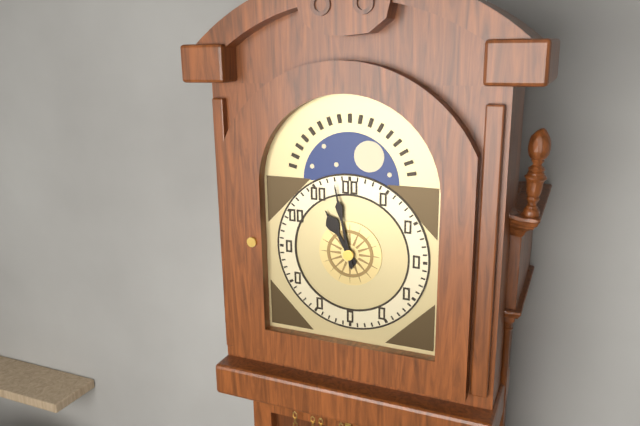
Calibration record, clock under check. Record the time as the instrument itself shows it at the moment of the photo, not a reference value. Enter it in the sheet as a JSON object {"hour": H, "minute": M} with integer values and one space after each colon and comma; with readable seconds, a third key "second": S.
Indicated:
{"hour": 10, "minute": 58}
